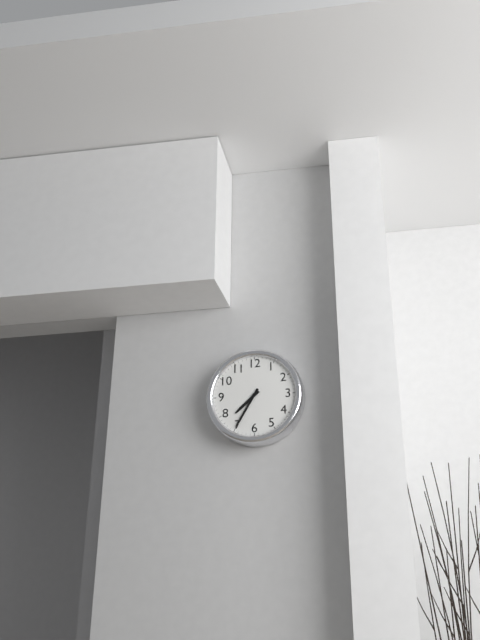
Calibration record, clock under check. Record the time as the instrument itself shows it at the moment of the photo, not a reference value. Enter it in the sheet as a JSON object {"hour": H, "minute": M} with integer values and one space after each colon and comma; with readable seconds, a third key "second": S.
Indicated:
{"hour": 7, "minute": 35}
